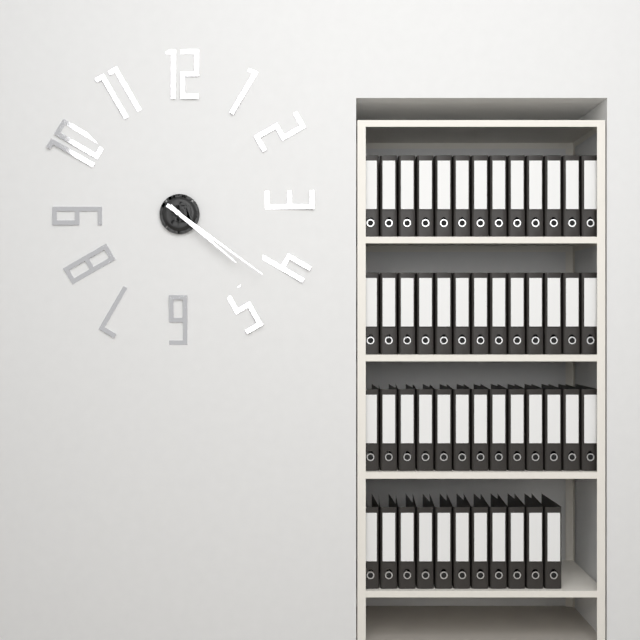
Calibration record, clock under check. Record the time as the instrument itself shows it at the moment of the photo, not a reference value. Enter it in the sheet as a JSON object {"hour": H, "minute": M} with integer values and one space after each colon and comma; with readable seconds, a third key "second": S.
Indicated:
{"hour": 4, "minute": 21}
